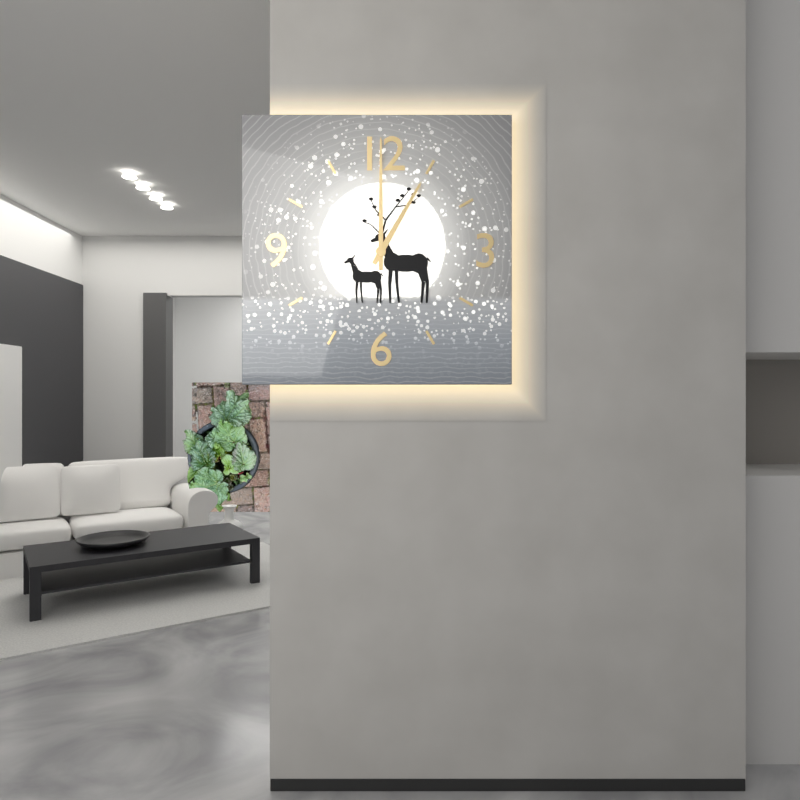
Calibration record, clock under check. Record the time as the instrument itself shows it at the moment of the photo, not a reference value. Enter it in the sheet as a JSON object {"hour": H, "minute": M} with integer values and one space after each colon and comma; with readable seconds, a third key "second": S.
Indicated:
{"hour": 1, "minute": 0}
